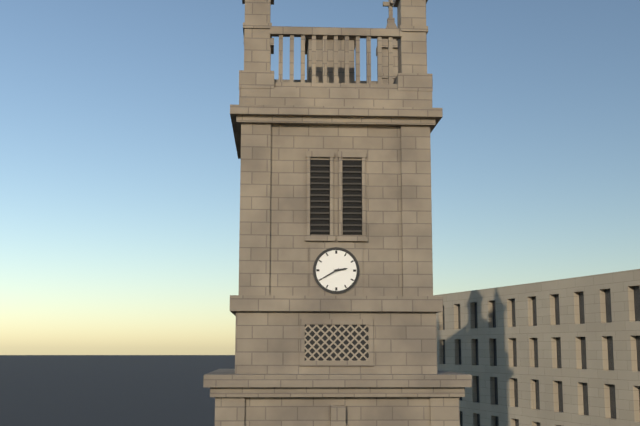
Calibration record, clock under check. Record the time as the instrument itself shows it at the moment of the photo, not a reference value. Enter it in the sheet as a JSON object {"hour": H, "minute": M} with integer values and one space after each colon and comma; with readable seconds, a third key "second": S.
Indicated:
{"hour": 2, "minute": 40}
